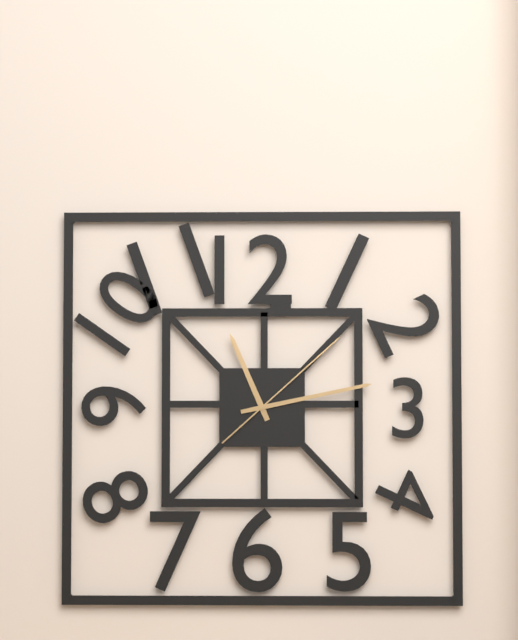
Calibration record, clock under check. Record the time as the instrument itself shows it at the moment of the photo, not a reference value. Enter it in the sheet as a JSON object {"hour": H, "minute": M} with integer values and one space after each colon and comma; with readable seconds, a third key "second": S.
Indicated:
{"hour": 11, "minute": 13, "second": 8}
